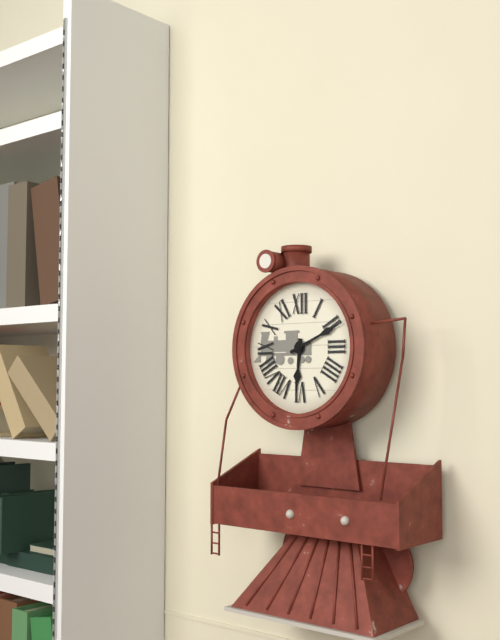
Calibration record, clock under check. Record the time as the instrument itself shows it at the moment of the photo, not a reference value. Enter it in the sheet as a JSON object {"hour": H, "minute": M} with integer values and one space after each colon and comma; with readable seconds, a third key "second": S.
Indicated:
{"hour": 6, "minute": 11}
